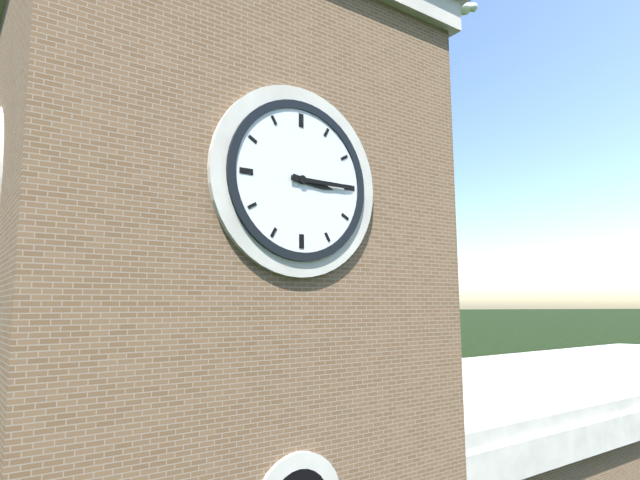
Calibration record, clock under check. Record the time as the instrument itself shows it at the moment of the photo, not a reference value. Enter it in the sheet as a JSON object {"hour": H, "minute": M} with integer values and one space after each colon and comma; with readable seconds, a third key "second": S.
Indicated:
{"hour": 3, "minute": 15}
